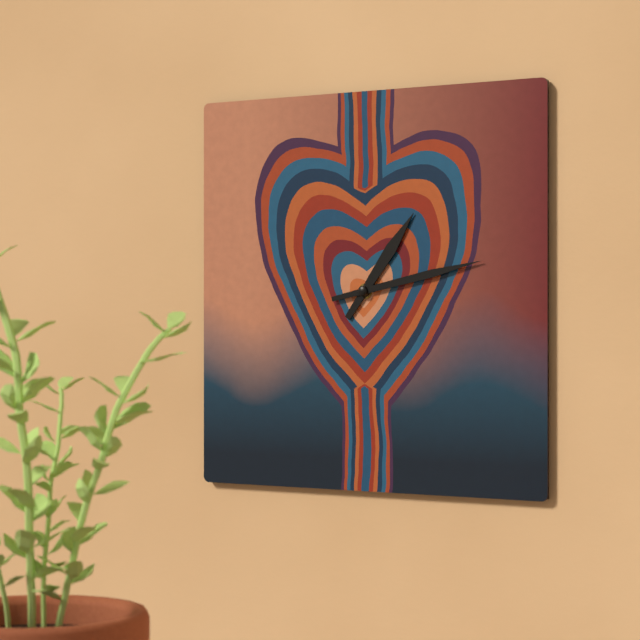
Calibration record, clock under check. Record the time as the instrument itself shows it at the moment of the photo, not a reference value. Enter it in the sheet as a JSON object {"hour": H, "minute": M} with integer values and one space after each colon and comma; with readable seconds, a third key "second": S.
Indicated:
{"hour": 1, "minute": 13}
